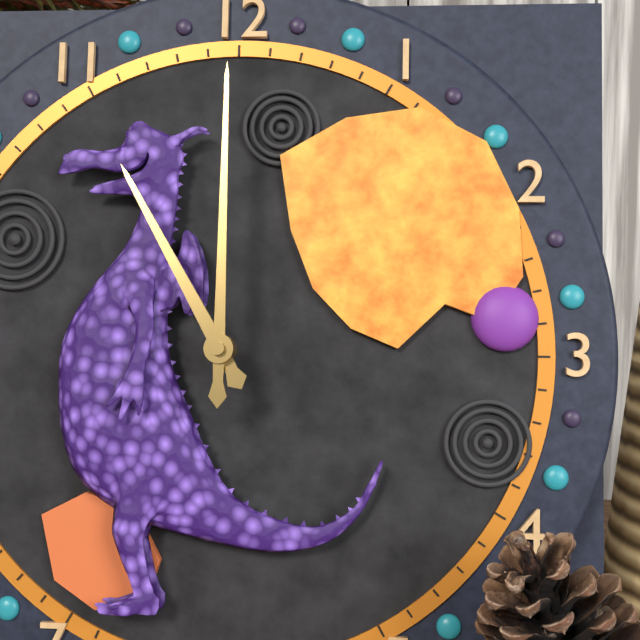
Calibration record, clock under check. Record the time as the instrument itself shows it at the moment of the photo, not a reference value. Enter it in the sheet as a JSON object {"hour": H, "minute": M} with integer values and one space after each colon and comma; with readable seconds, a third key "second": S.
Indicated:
{"hour": 11, "minute": 0}
